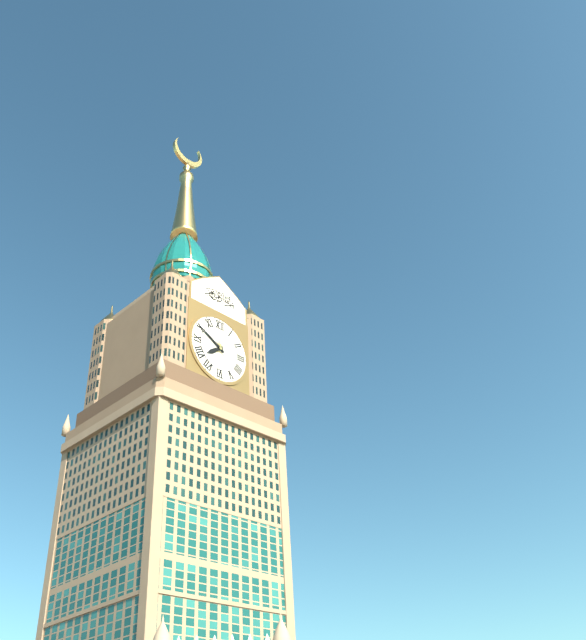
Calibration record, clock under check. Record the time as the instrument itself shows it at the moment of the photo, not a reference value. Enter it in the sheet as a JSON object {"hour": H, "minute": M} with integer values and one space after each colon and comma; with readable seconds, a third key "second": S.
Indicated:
{"hour": 7, "minute": 50}
